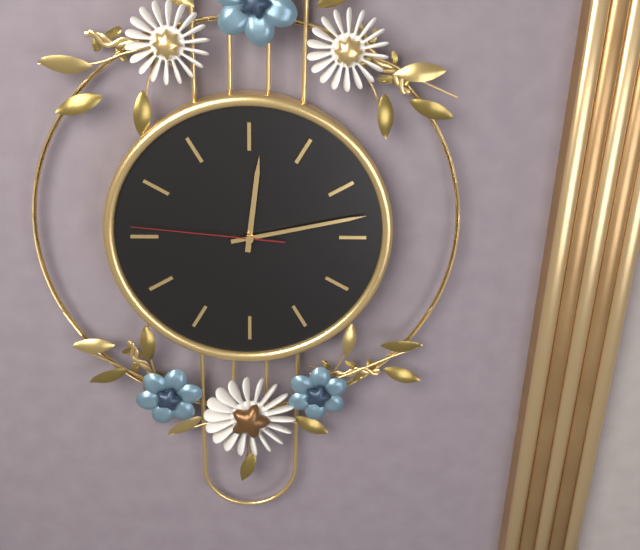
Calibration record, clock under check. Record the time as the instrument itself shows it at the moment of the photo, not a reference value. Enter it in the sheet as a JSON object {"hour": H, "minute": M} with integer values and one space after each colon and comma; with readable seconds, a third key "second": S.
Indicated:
{"hour": 12, "minute": 13, "second": 46}
